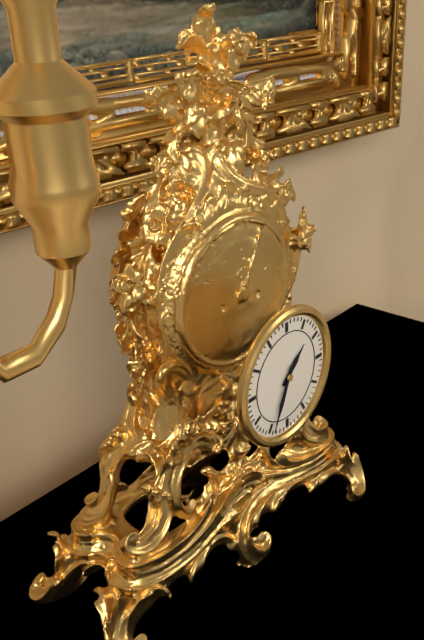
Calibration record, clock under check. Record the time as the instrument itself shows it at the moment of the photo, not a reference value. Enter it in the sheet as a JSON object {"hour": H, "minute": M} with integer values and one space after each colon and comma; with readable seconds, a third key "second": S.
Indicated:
{"hour": 1, "minute": 34}
